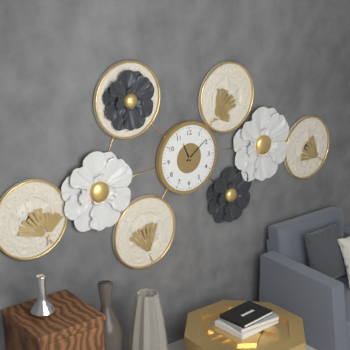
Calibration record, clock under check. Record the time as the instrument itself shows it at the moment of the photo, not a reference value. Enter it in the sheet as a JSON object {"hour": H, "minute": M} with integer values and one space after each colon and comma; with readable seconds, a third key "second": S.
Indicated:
{"hour": 11, "minute": 9}
